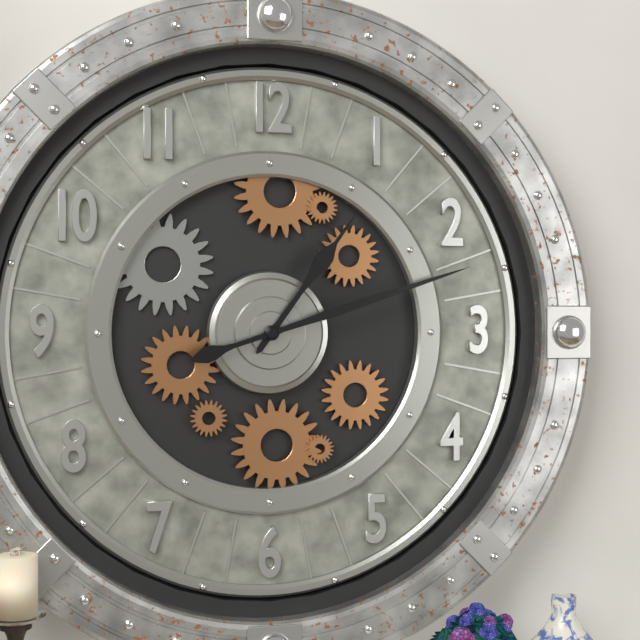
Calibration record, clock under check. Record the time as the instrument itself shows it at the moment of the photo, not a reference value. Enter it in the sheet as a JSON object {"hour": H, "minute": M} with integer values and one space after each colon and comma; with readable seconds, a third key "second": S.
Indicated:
{"hour": 1, "minute": 12}
